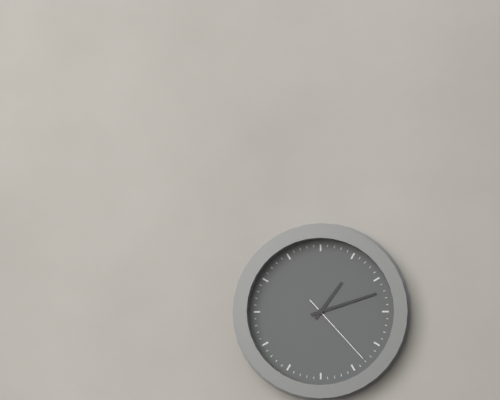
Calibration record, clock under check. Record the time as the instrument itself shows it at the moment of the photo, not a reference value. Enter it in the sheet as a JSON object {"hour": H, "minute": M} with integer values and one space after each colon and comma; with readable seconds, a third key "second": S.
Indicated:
{"hour": 1, "minute": 12, "second": 23}
